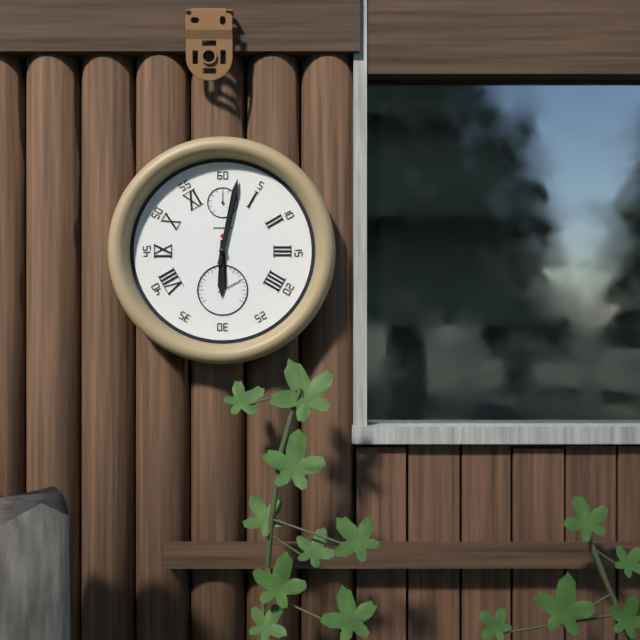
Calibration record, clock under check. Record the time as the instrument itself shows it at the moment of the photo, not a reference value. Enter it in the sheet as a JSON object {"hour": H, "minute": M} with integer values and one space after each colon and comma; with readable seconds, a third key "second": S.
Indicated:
{"hour": 6, "minute": 2}
